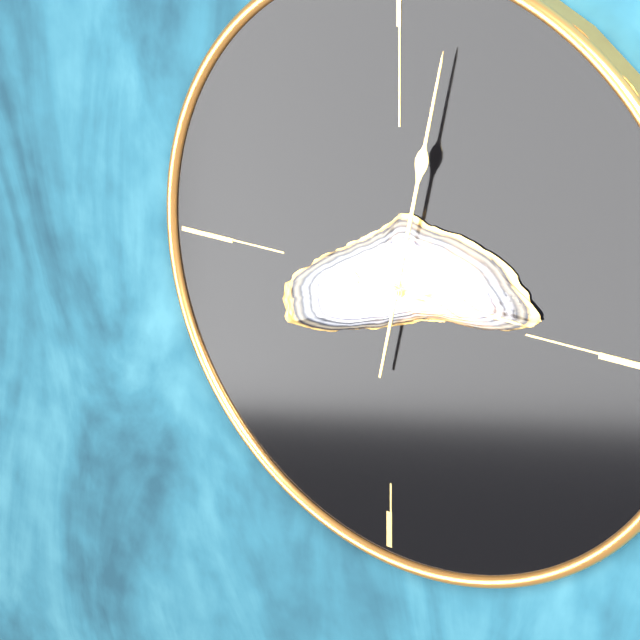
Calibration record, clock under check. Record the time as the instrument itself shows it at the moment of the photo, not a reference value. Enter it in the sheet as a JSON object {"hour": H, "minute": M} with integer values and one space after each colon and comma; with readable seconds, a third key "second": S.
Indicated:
{"hour": 3, "minute": 2}
